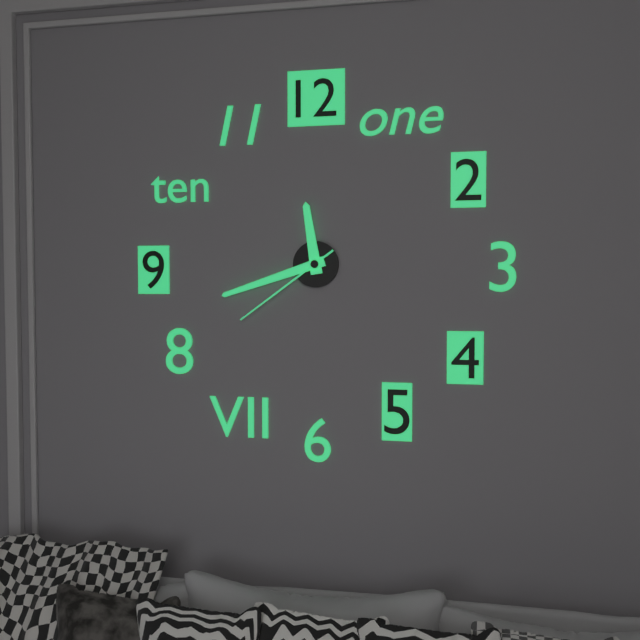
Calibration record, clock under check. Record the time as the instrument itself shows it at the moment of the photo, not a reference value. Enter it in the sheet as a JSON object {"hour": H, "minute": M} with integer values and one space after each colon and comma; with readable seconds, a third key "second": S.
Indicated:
{"hour": 11, "minute": 42, "second": 39}
